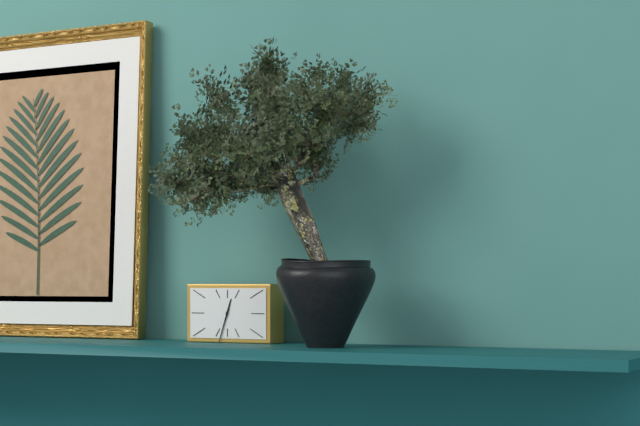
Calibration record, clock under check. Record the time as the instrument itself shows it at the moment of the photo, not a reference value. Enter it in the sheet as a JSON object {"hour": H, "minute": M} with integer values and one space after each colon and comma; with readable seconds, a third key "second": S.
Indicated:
{"hour": 12, "minute": 33}
